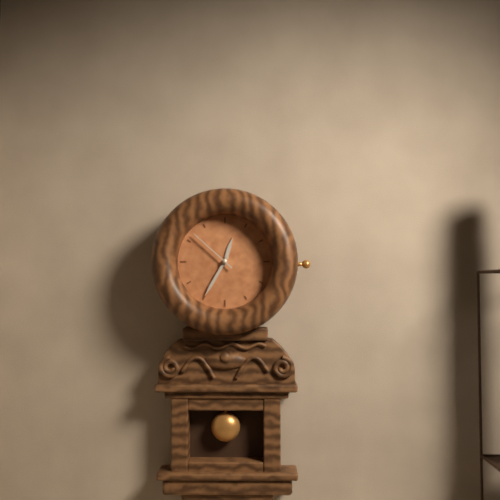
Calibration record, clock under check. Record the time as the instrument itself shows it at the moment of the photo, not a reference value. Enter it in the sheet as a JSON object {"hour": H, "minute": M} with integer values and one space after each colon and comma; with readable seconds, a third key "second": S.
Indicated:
{"hour": 12, "minute": 35, "second": 52}
